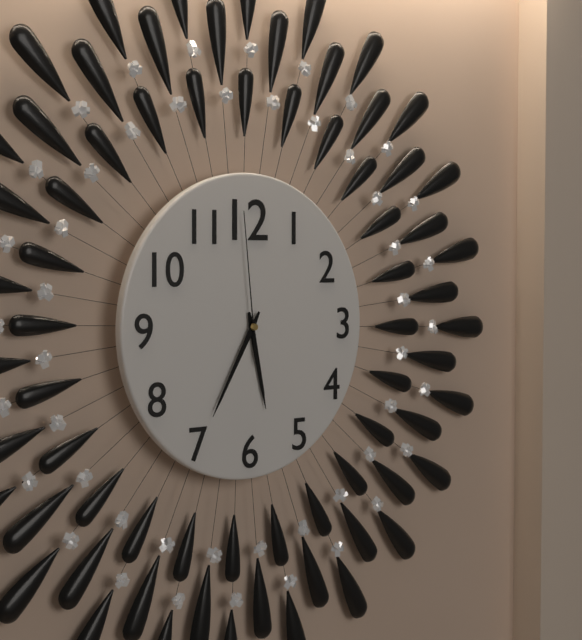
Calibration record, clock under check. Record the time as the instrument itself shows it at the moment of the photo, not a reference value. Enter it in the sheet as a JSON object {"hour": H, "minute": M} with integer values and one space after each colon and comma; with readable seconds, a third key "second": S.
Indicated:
{"hour": 5, "minute": 35, "second": 59}
